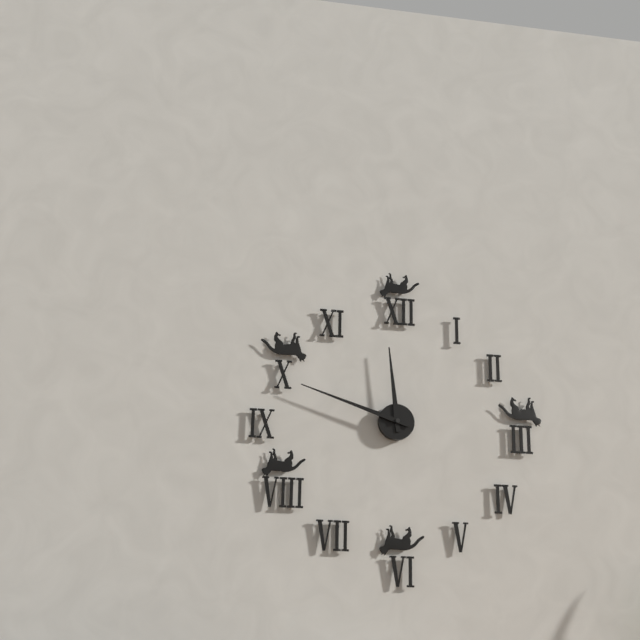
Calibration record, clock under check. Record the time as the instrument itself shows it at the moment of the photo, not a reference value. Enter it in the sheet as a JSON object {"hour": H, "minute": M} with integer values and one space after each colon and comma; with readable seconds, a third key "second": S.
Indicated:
{"hour": 11, "minute": 48}
